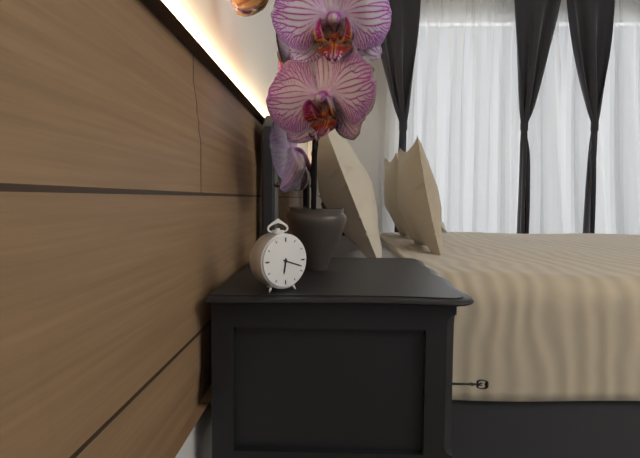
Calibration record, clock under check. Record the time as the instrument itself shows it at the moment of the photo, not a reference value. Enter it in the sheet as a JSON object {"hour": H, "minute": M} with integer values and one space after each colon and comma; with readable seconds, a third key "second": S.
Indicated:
{"hour": 6, "minute": 18}
